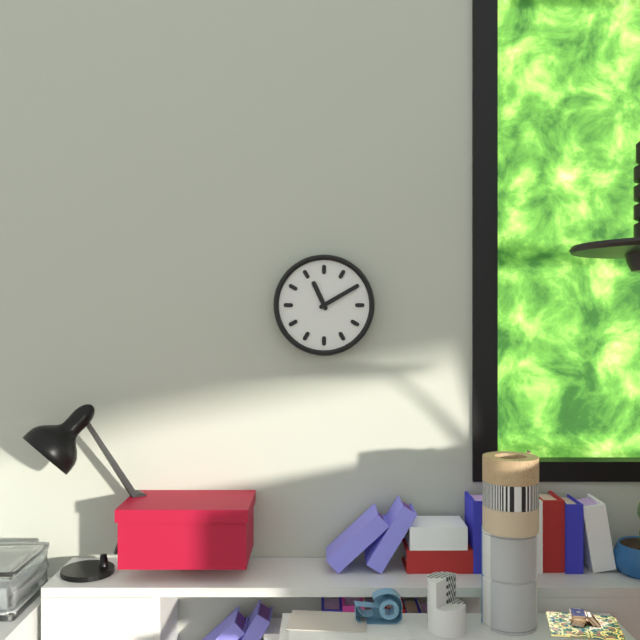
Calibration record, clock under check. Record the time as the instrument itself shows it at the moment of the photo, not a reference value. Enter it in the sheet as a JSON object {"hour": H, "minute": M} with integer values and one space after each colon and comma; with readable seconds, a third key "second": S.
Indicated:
{"hour": 11, "minute": 10}
